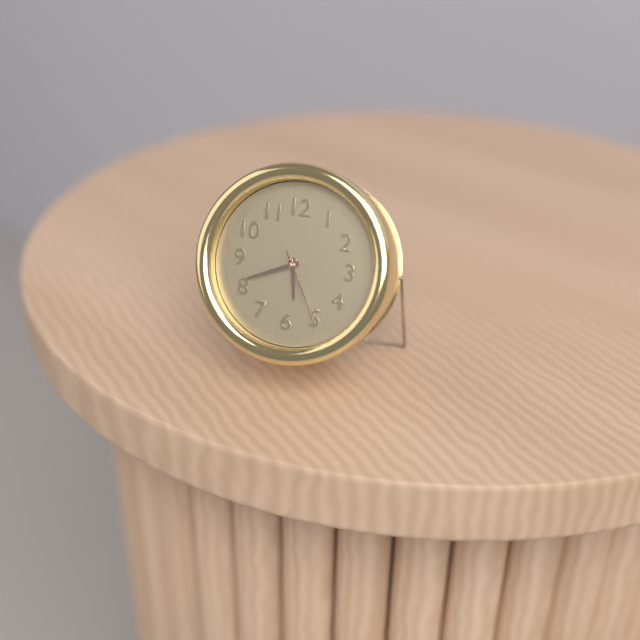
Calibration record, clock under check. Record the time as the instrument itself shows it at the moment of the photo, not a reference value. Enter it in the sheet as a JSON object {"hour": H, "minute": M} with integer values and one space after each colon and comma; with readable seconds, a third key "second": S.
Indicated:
{"hour": 5, "minute": 41, "second": 25}
